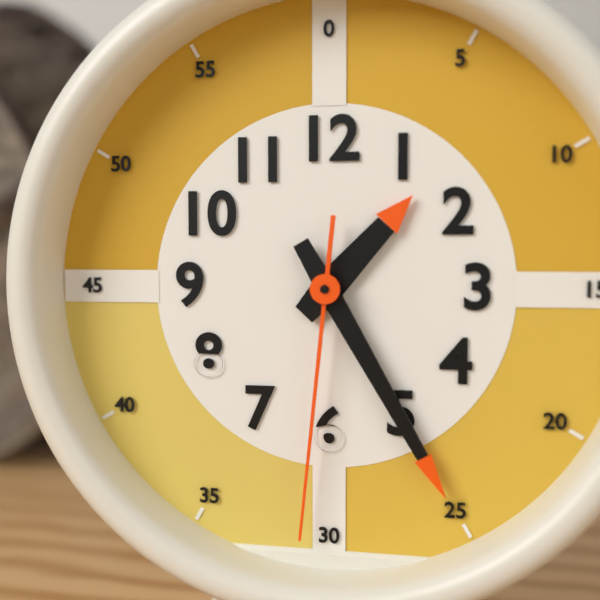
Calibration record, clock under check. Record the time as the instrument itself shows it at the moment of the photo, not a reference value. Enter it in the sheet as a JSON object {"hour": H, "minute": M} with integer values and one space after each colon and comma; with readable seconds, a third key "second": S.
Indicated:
{"hour": 1, "minute": 25, "second": 31}
